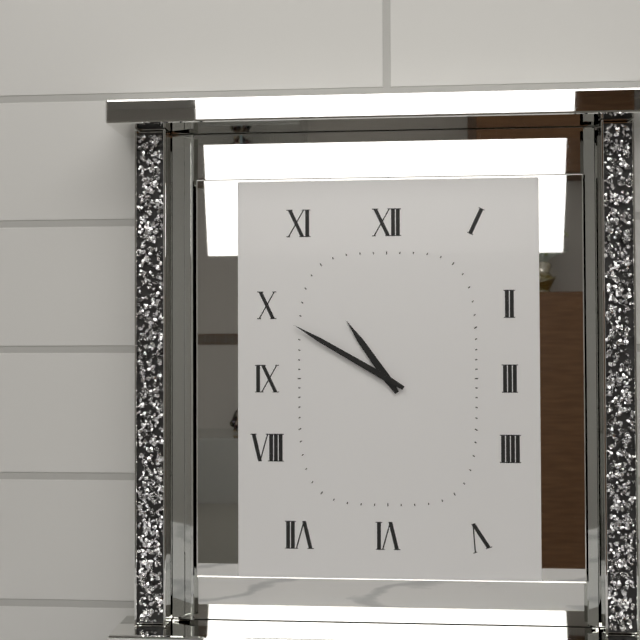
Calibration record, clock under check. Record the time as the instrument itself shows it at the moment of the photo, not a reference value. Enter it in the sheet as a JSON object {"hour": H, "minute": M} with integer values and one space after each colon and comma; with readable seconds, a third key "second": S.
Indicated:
{"hour": 10, "minute": 50}
